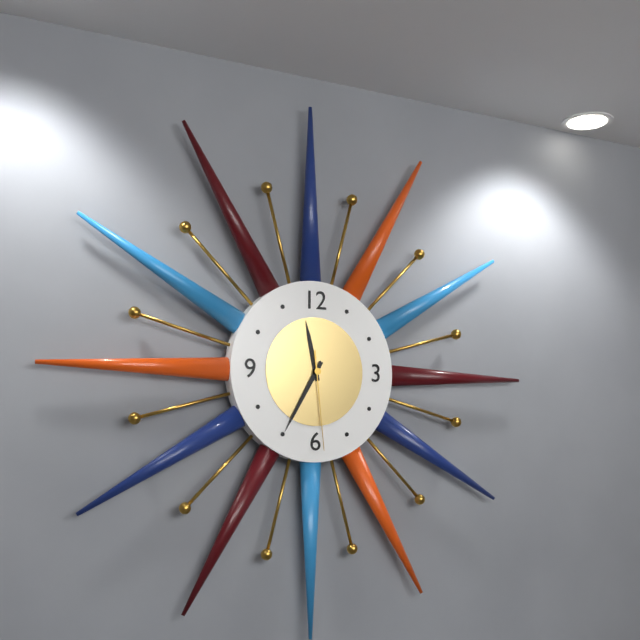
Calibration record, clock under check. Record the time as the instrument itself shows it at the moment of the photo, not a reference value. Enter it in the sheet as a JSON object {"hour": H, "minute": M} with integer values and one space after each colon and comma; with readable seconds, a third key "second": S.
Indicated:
{"hour": 11, "minute": 35, "second": 29}
